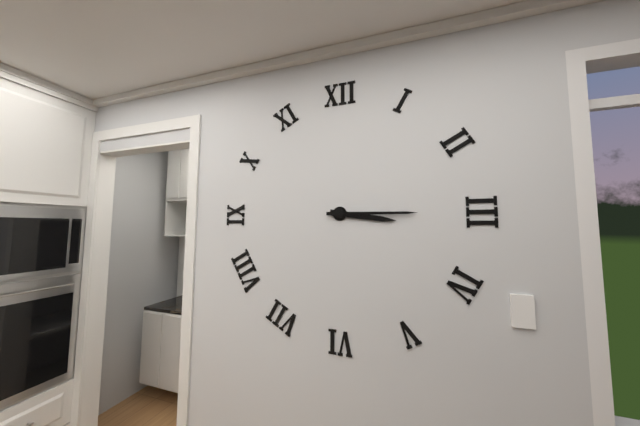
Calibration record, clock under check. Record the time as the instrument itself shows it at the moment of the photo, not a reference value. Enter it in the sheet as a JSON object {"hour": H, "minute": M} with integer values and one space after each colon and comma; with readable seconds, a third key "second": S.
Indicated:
{"hour": 3, "minute": 15}
